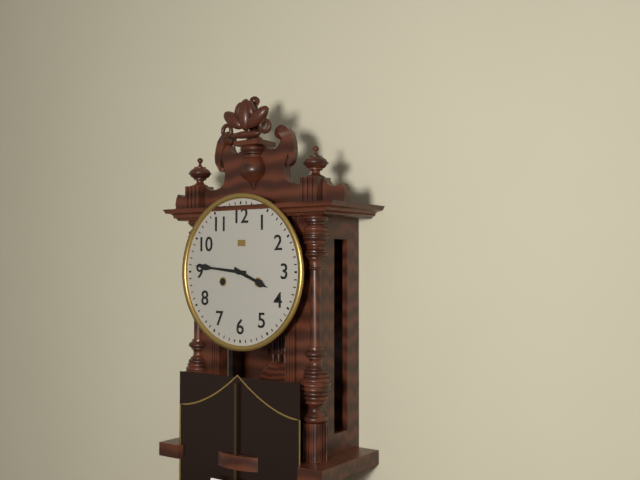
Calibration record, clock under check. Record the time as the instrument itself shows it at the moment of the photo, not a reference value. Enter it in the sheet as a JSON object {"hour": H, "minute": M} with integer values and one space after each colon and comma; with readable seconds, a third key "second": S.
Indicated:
{"hour": 3, "minute": 46}
